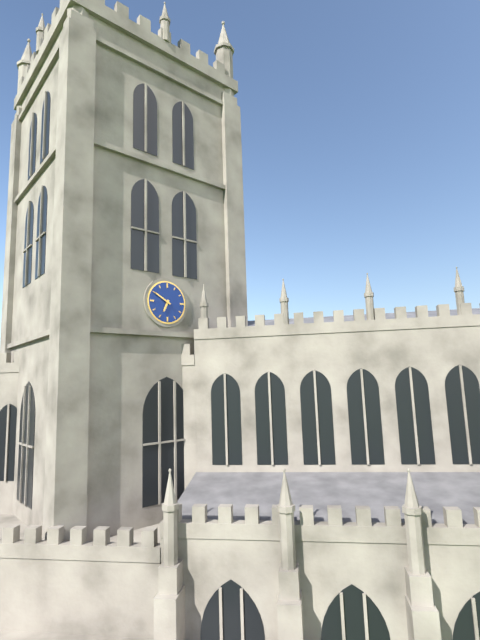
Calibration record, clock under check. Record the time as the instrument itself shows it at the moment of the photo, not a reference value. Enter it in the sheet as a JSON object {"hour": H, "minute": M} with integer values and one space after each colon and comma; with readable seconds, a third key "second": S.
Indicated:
{"hour": 6, "minute": 50}
